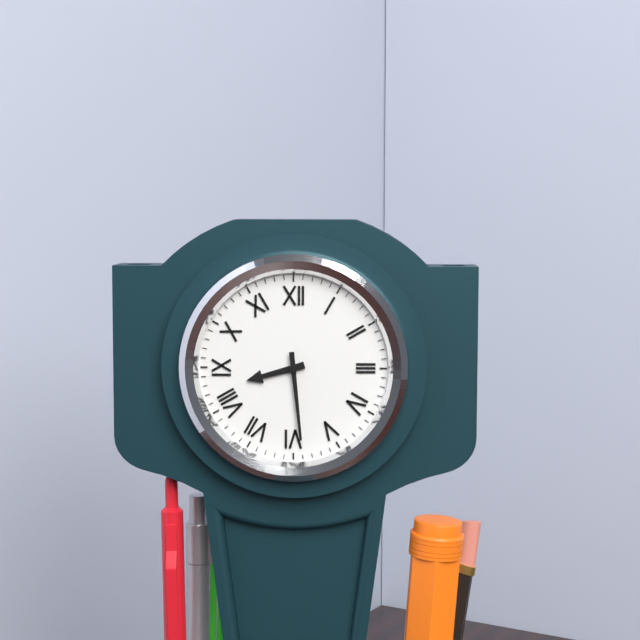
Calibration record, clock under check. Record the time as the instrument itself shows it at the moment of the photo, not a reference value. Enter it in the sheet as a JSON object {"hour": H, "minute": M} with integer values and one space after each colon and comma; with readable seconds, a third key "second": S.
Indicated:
{"hour": 8, "minute": 29}
